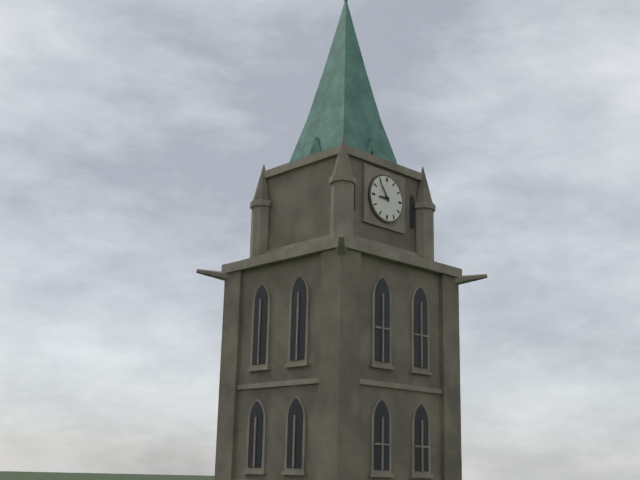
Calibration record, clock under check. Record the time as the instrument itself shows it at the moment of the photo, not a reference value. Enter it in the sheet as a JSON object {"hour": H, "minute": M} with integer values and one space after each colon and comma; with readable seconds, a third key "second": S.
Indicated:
{"hour": 8, "minute": 54}
